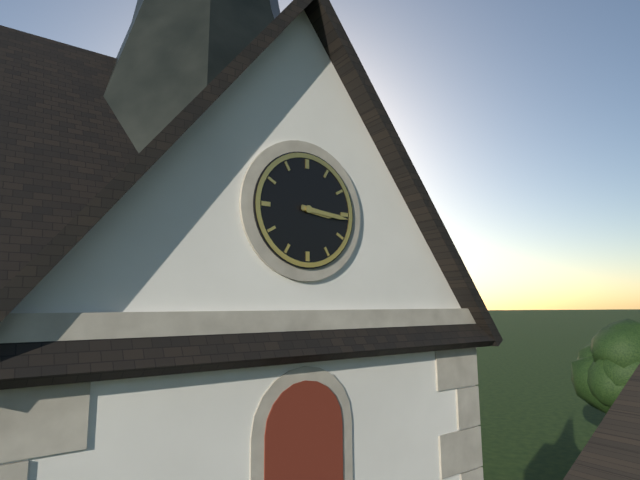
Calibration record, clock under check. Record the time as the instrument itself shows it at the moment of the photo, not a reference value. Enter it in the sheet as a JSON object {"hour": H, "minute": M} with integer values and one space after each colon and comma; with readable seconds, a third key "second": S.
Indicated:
{"hour": 3, "minute": 16}
